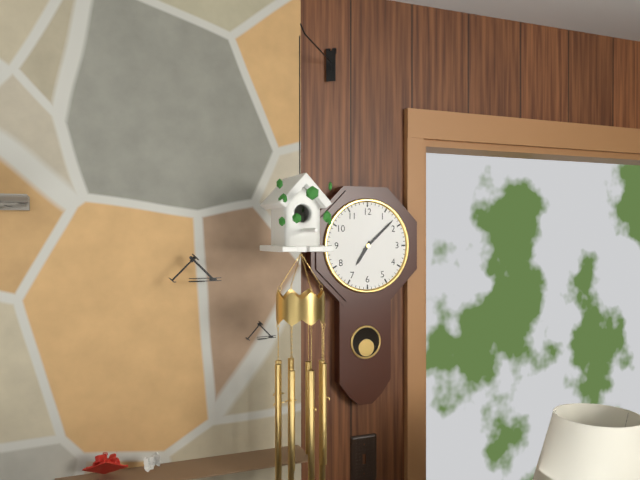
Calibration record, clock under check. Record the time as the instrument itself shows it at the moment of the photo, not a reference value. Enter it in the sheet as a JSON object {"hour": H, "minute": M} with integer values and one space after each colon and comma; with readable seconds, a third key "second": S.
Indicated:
{"hour": 7, "minute": 8}
